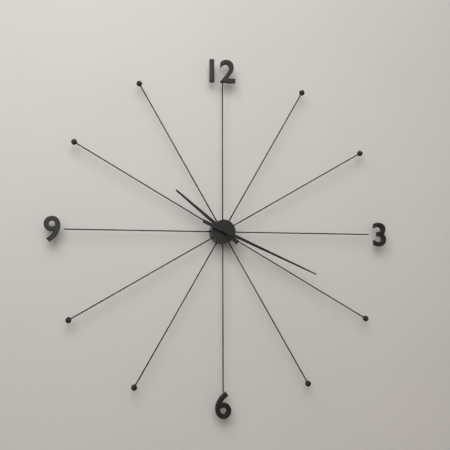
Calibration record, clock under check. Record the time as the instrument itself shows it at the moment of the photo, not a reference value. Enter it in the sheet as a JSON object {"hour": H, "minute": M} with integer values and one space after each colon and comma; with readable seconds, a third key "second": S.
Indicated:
{"hour": 10, "minute": 19}
